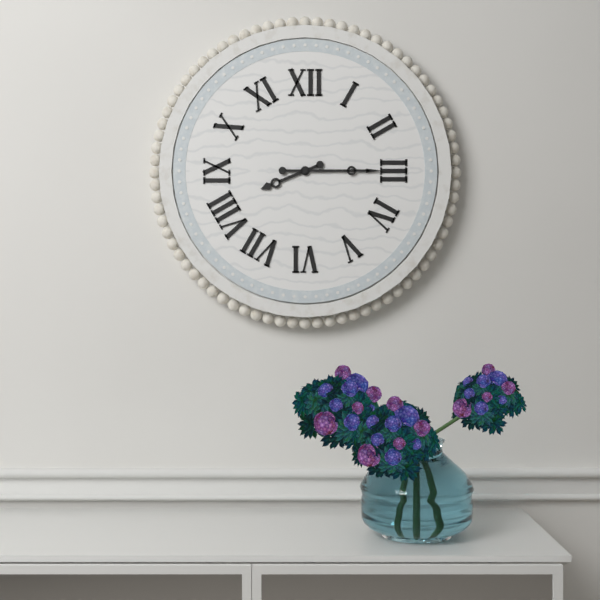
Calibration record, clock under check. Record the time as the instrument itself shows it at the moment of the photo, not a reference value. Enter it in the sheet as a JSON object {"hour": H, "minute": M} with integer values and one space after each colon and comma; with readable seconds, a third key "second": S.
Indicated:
{"hour": 8, "minute": 15}
